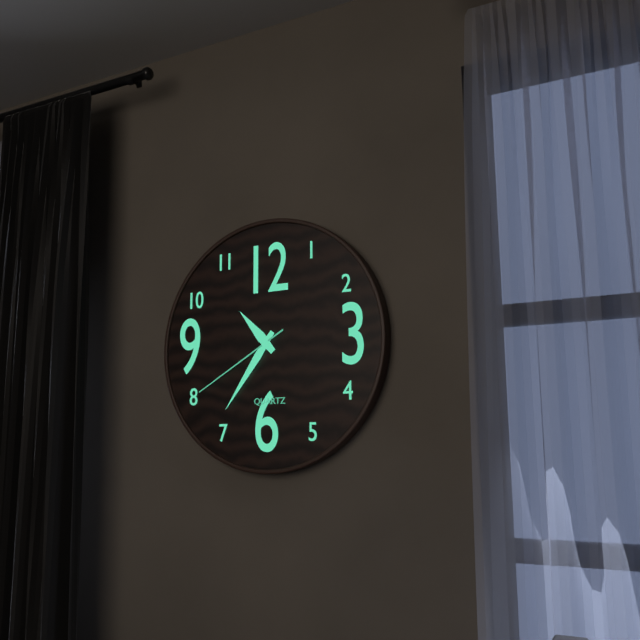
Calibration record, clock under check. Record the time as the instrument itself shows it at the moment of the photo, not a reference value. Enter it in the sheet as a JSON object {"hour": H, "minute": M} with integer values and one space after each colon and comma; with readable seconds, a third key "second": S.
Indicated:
{"hour": 10, "minute": 36, "second": 40}
